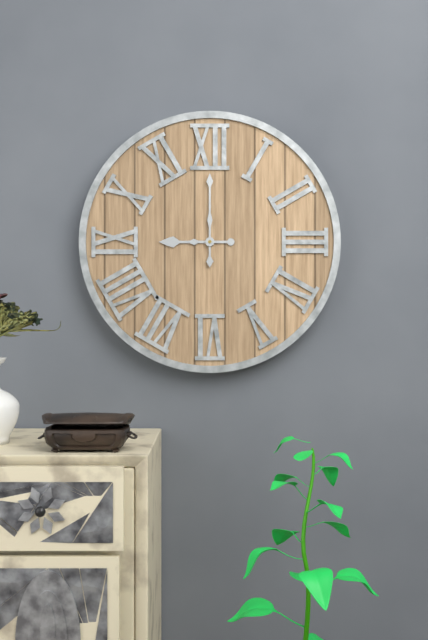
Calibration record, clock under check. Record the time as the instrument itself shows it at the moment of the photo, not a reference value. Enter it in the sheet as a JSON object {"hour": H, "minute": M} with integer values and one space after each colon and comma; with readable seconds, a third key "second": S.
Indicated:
{"hour": 9, "minute": 0}
